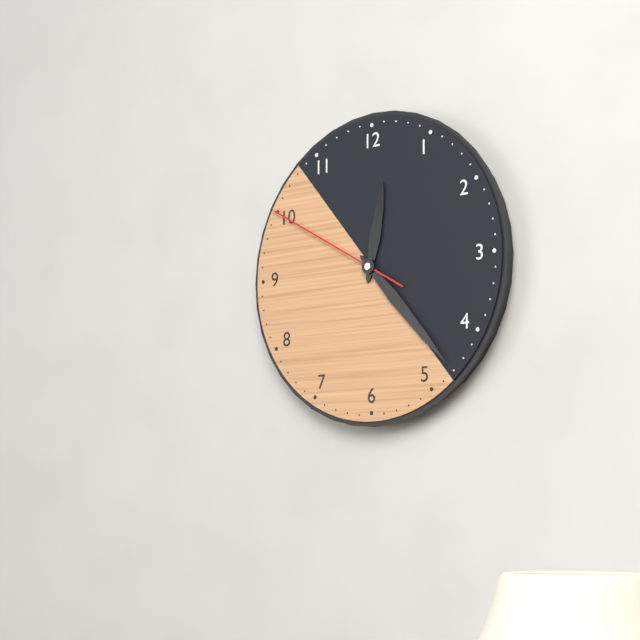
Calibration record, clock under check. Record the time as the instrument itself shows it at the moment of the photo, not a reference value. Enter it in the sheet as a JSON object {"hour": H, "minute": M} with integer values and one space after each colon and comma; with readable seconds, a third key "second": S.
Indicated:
{"hour": 12, "minute": 23, "second": 50}
